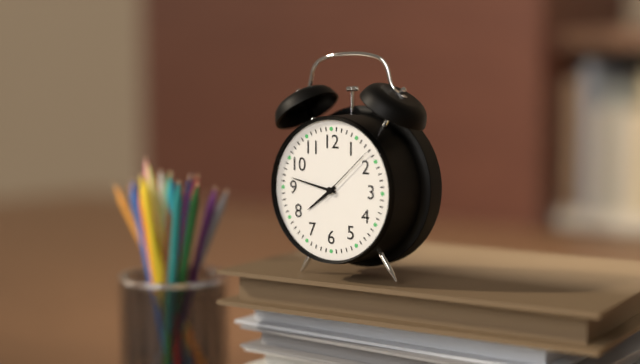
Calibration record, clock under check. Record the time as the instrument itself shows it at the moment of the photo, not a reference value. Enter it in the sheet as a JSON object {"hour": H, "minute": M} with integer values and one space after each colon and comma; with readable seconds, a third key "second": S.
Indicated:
{"hour": 7, "minute": 47, "second": 8}
